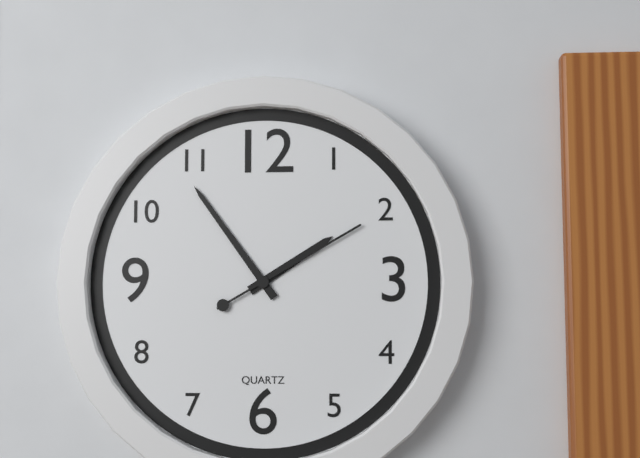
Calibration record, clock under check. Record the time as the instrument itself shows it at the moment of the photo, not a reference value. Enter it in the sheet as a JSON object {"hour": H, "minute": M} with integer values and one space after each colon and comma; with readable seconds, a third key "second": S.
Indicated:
{"hour": 1, "minute": 54, "second": 10}
